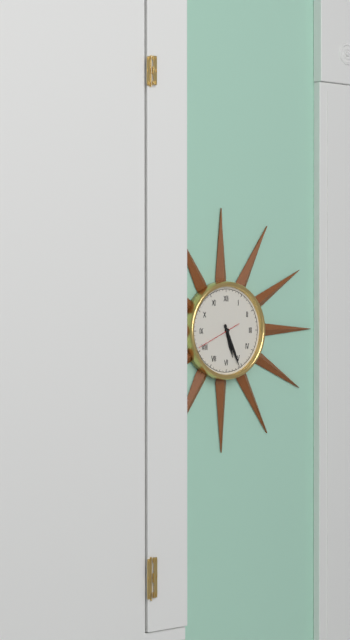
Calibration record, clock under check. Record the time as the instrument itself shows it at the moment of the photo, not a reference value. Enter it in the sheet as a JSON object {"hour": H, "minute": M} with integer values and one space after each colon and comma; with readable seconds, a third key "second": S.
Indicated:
{"hour": 5, "minute": 26}
